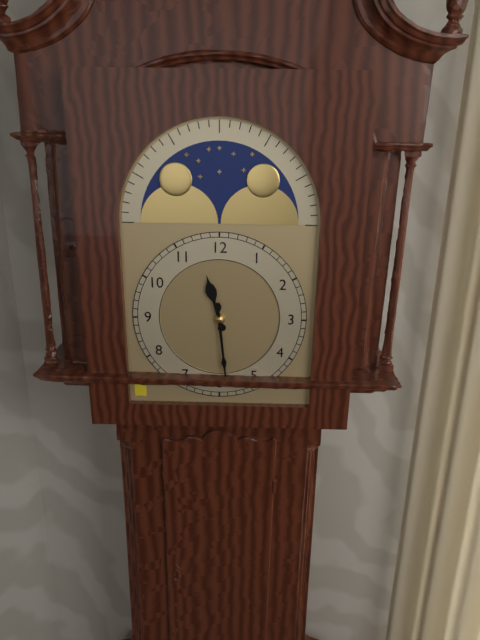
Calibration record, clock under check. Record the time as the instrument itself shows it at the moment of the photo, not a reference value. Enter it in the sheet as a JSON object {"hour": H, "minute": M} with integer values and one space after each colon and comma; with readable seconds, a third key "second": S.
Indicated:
{"hour": 11, "minute": 29}
